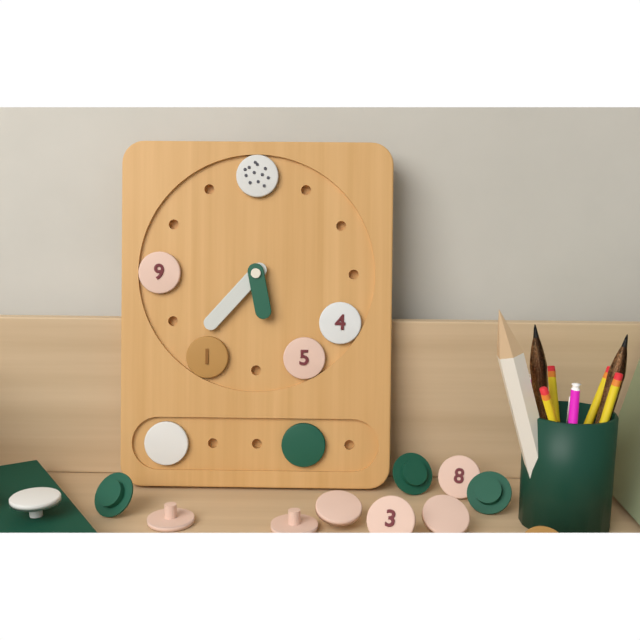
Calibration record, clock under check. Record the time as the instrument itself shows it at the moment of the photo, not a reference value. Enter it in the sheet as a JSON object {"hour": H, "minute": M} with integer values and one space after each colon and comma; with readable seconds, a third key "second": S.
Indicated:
{"hour": 5, "minute": 37}
